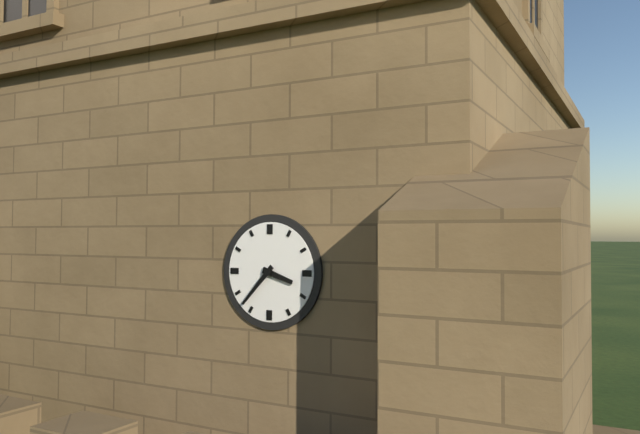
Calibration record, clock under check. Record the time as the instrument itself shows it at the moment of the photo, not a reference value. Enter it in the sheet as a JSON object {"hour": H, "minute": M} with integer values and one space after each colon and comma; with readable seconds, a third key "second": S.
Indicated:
{"hour": 3, "minute": 37}
